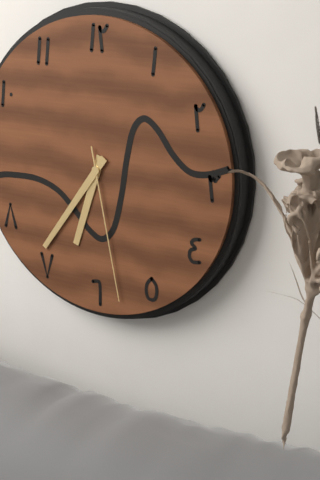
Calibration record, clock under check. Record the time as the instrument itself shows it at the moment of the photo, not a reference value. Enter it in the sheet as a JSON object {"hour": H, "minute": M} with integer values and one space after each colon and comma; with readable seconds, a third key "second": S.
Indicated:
{"hour": 6, "minute": 36, "second": 28}
